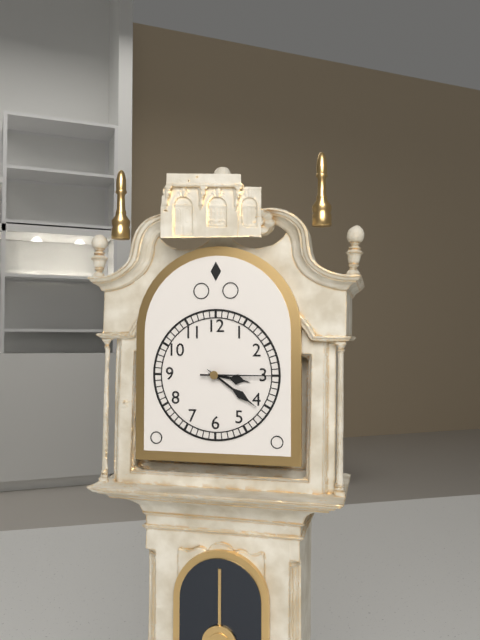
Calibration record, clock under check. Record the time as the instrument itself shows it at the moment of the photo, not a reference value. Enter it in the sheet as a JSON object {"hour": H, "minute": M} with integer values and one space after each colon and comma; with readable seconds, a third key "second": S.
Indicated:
{"hour": 3, "minute": 21, "second": 15}
